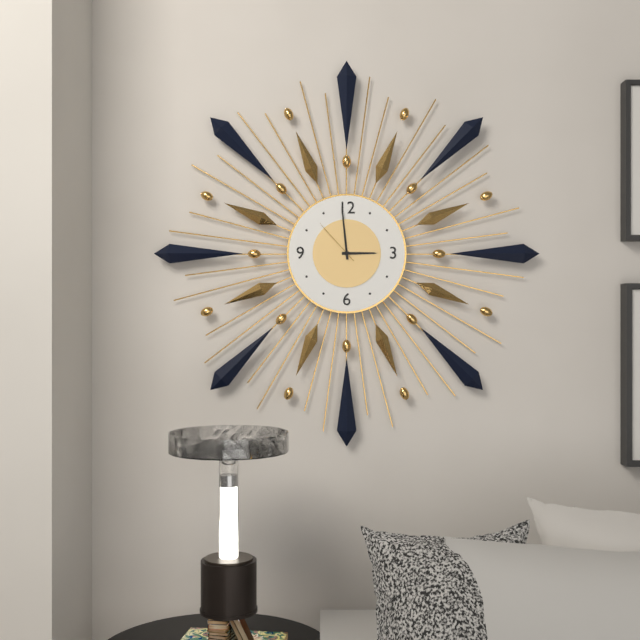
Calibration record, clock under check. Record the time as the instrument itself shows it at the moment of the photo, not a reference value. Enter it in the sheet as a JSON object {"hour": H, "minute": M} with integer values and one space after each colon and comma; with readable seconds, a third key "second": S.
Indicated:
{"hour": 2, "minute": 59, "second": 53}
